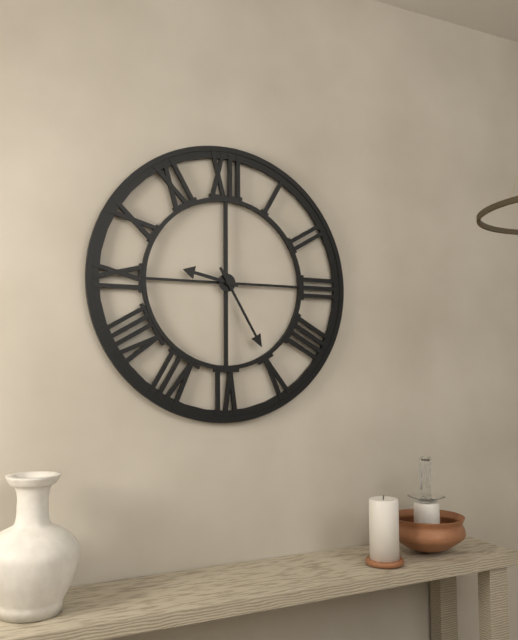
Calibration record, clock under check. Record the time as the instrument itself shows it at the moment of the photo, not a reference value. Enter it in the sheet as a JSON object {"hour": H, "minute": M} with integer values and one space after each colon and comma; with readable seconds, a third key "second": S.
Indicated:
{"hour": 9, "minute": 25}
